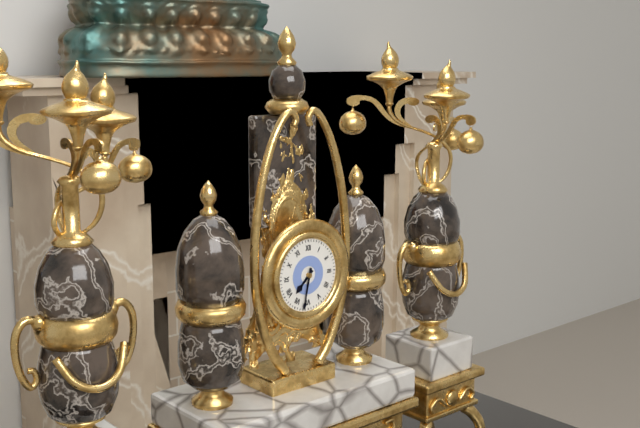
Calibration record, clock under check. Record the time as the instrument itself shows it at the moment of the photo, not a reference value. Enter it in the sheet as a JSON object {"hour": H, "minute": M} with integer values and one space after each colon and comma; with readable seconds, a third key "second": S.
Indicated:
{"hour": 7, "minute": 32}
